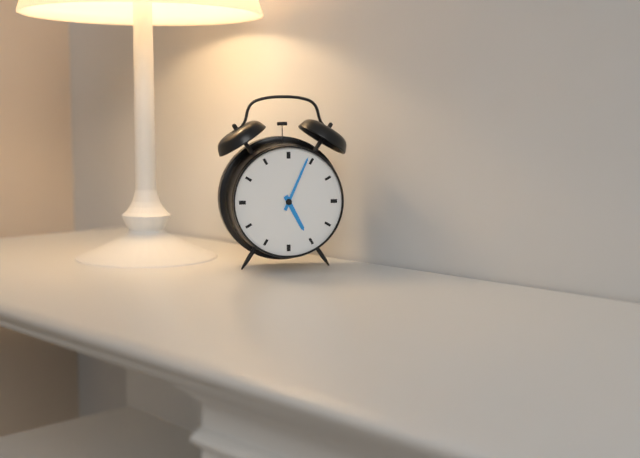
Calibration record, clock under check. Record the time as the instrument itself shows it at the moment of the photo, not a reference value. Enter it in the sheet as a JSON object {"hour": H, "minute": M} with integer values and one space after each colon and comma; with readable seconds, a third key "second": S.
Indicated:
{"hour": 5, "minute": 4}
